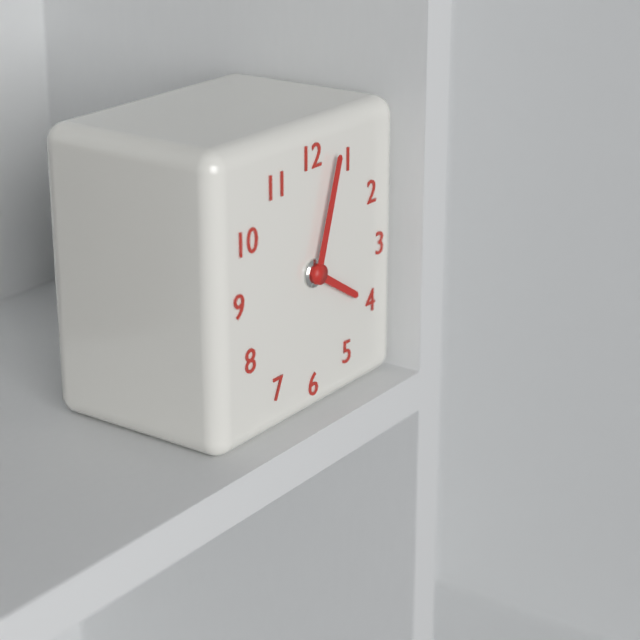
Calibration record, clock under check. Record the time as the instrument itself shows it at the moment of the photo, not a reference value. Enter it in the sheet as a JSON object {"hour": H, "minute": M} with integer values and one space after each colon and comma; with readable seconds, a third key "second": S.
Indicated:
{"hour": 4, "minute": 3}
